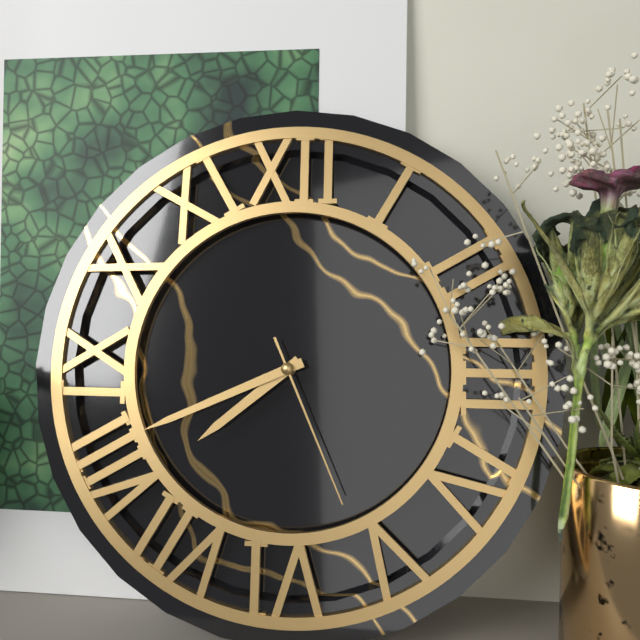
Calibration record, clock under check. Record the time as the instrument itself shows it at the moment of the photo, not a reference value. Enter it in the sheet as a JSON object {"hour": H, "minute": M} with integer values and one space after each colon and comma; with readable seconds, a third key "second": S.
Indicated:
{"hour": 7, "minute": 41, "second": 26}
